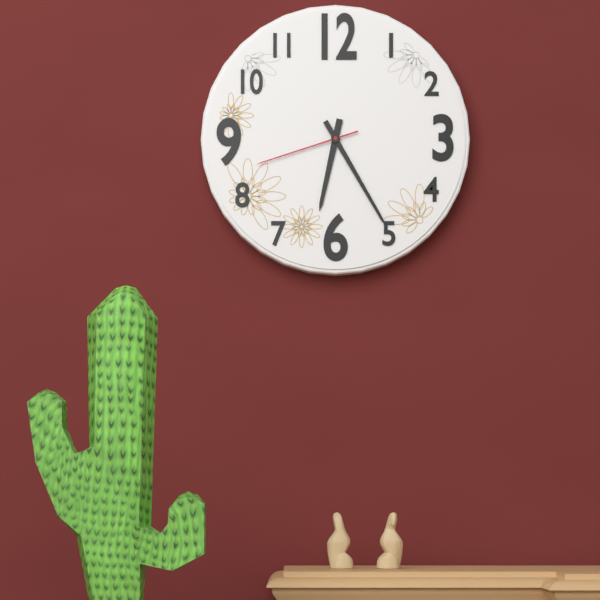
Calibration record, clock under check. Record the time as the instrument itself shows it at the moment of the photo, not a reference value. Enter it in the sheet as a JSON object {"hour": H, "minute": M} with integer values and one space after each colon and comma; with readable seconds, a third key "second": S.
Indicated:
{"hour": 6, "minute": 25, "second": 42}
